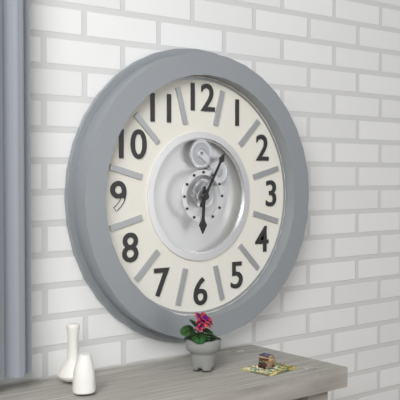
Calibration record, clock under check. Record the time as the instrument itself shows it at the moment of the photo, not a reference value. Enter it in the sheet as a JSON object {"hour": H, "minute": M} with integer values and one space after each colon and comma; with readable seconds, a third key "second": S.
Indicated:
{"hour": 6, "minute": 5}
